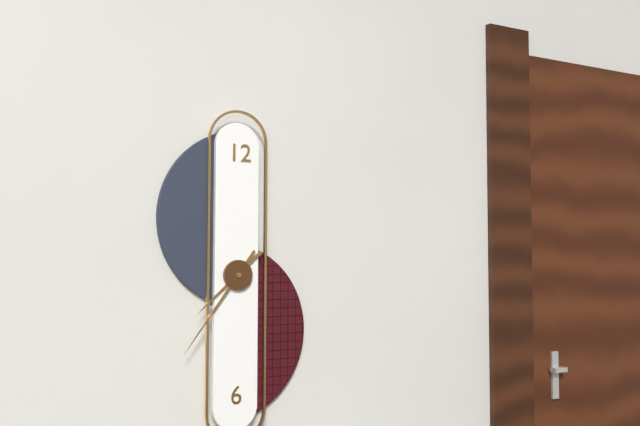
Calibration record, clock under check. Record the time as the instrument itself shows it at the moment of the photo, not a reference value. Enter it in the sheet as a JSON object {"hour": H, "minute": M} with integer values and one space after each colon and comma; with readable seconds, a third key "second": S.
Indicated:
{"hour": 7, "minute": 36}
